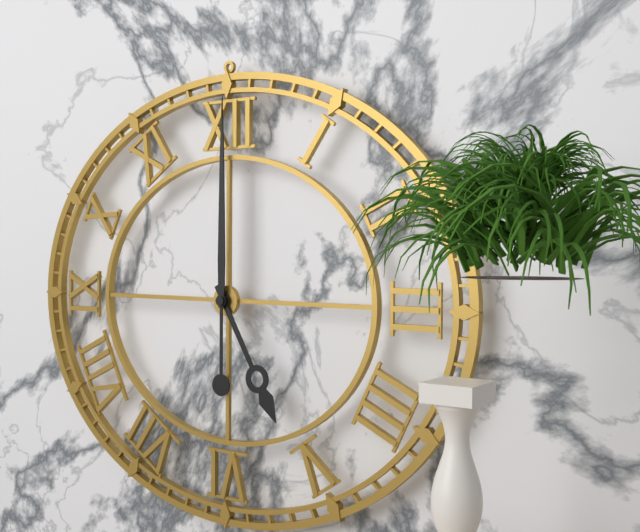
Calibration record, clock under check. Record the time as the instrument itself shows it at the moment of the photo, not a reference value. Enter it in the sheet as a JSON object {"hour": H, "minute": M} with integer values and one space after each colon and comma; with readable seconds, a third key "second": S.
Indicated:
{"hour": 5, "minute": 0}
